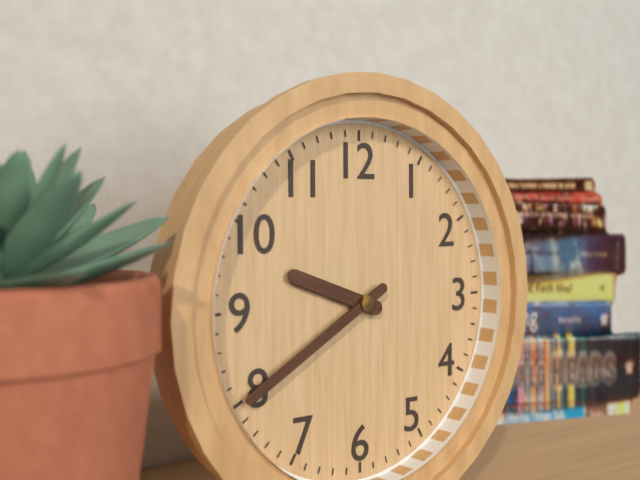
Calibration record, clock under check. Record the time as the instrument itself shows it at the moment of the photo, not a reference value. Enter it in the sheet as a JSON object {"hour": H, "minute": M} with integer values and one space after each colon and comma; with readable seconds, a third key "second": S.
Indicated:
{"hour": 9, "minute": 40}
